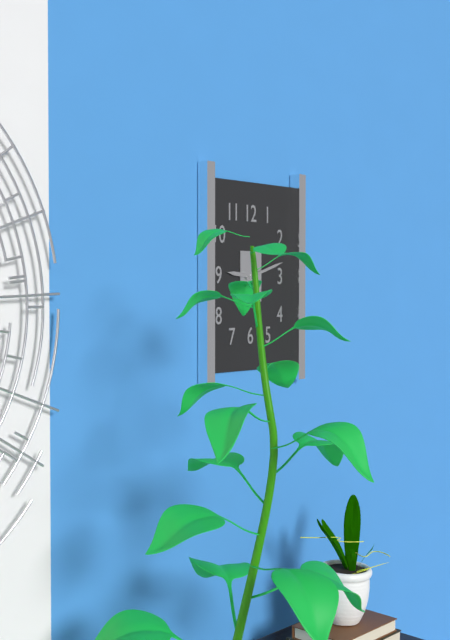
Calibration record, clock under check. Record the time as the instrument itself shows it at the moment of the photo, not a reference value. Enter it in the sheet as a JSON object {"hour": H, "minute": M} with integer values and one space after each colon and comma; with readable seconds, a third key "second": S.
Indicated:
{"hour": 9, "minute": 12}
